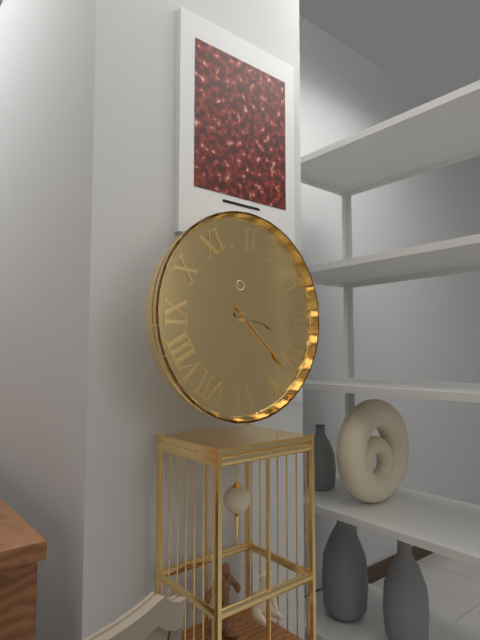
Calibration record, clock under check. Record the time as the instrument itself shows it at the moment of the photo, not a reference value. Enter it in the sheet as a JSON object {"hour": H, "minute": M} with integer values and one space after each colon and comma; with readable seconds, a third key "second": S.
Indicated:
{"hour": 3, "minute": 22}
